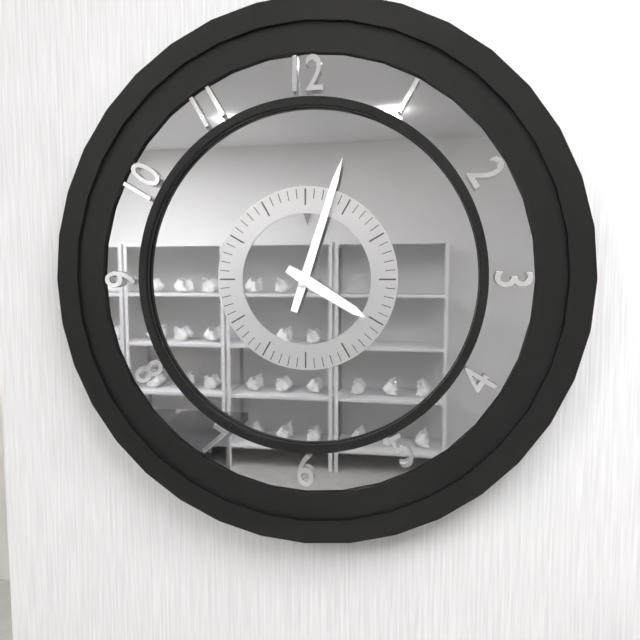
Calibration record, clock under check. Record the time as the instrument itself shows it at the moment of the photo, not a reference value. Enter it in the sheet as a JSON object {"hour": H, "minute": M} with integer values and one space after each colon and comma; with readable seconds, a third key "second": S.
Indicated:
{"hour": 4, "minute": 3}
